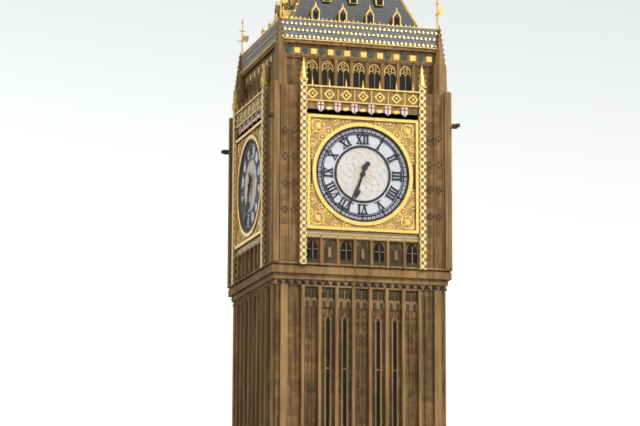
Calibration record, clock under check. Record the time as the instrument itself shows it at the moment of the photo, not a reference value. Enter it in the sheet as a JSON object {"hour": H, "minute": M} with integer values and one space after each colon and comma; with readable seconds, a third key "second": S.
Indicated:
{"hour": 6, "minute": 34}
